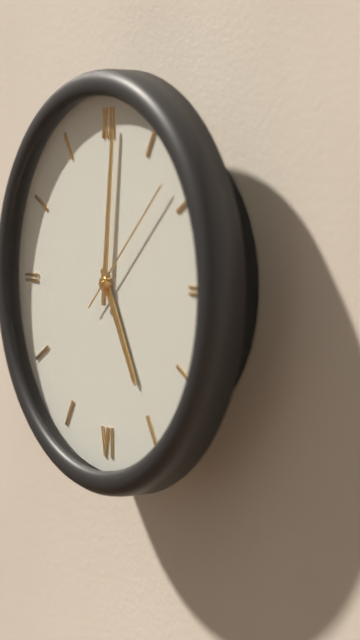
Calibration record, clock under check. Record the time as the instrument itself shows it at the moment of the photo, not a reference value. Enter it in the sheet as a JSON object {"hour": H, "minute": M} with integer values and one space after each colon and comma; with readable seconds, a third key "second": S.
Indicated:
{"hour": 5, "minute": 1, "second": 8}
